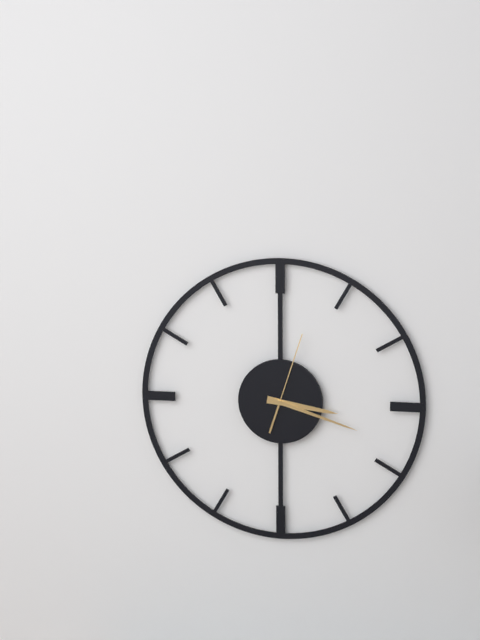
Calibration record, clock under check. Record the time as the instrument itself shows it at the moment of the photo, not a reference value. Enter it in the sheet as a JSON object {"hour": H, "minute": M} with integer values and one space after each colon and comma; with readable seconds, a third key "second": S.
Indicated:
{"hour": 3, "minute": 18, "second": 3}
